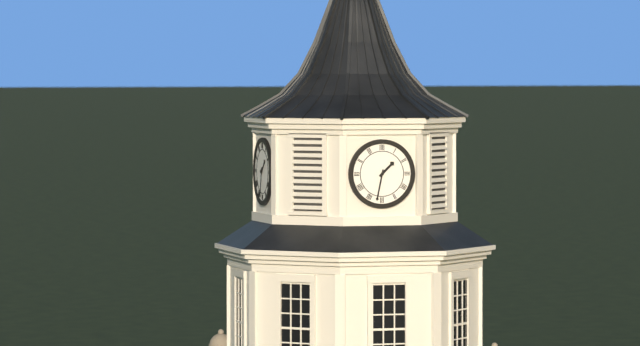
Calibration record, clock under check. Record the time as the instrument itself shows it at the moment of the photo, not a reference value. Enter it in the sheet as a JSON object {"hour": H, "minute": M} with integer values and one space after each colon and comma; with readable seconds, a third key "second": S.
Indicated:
{"hour": 1, "minute": 32}
